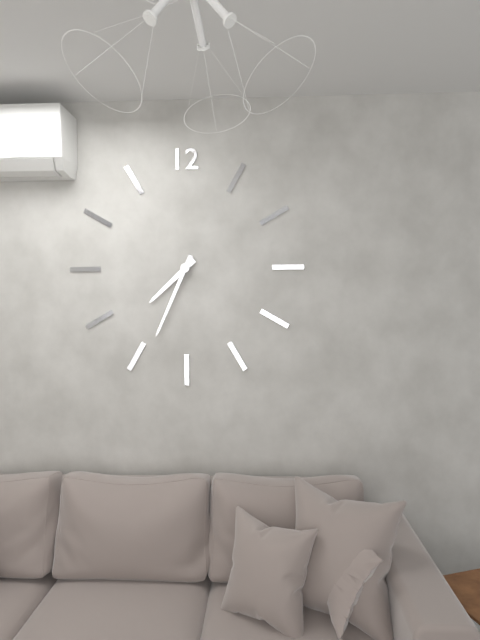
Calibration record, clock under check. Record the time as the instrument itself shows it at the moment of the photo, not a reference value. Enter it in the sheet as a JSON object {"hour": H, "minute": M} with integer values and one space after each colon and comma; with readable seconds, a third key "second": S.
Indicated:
{"hour": 7, "minute": 34}
